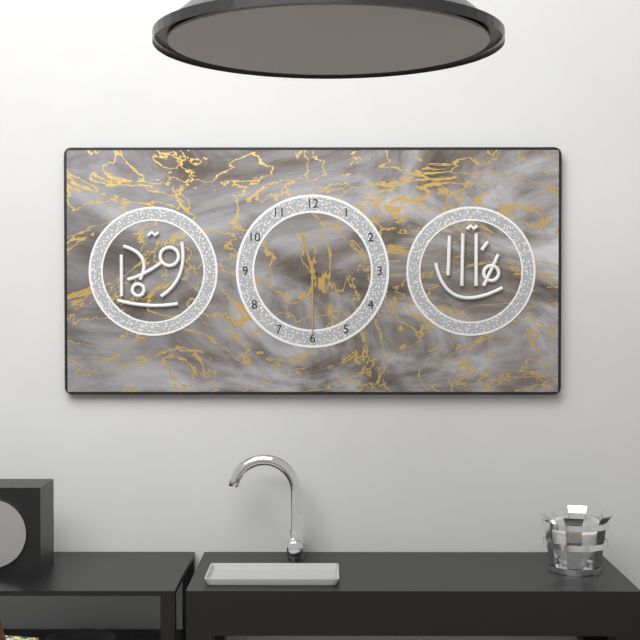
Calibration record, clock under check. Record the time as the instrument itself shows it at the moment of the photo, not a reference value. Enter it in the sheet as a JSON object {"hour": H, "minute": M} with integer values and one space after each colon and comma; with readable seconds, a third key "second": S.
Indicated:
{"hour": 11, "minute": 30}
